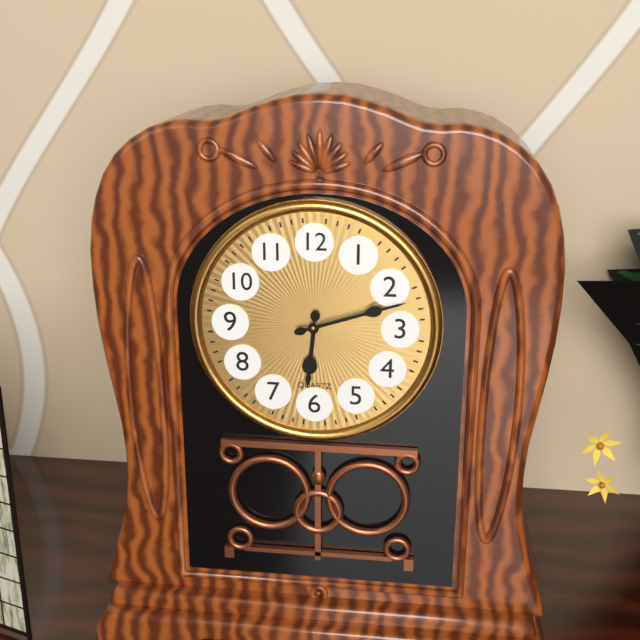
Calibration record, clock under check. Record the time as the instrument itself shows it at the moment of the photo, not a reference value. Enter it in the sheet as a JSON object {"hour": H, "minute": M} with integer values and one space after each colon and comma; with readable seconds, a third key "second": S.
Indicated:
{"hour": 6, "minute": 12}
